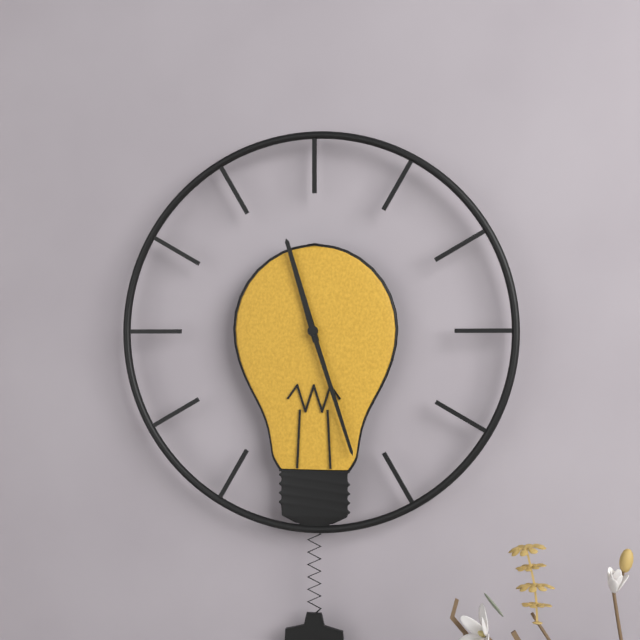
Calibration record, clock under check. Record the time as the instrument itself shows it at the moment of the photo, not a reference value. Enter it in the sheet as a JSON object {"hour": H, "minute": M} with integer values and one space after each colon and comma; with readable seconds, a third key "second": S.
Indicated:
{"hour": 11, "minute": 27}
